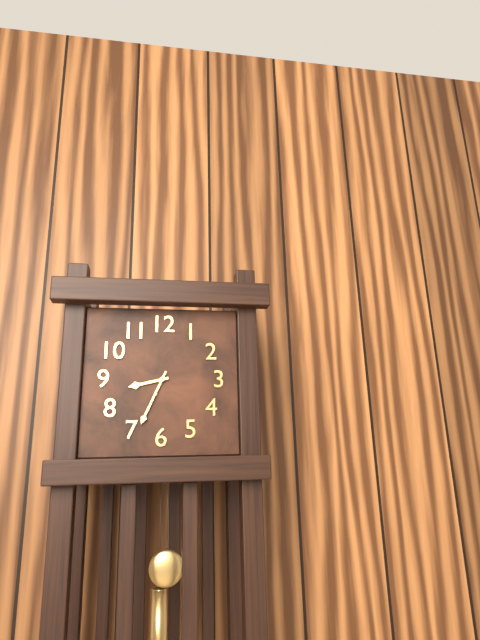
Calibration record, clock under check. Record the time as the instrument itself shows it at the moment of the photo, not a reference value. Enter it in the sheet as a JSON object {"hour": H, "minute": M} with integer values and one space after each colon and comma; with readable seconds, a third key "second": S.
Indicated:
{"hour": 8, "minute": 34}
